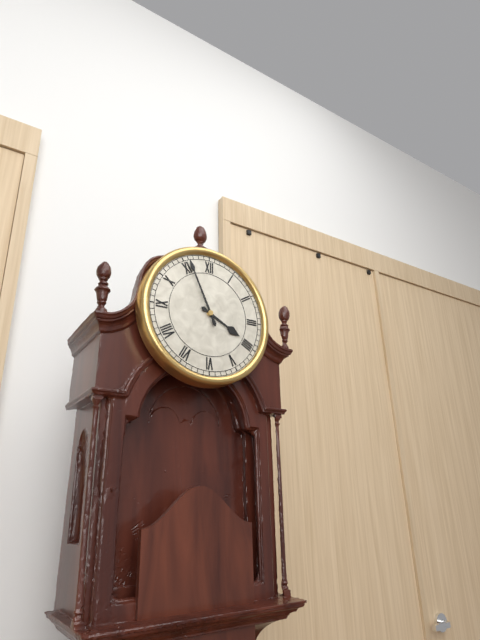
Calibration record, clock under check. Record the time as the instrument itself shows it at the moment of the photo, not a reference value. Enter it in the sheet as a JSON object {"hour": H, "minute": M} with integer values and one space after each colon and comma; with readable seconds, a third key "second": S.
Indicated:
{"hour": 3, "minute": 56}
